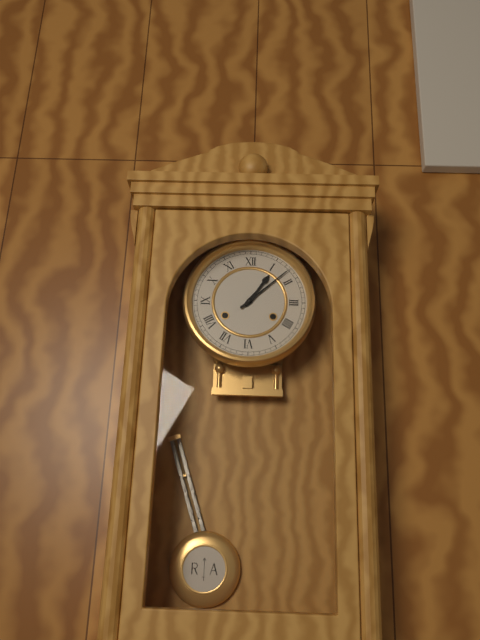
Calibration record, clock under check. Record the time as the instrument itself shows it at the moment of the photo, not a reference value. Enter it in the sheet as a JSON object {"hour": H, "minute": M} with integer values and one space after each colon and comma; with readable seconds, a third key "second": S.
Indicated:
{"hour": 1, "minute": 8}
